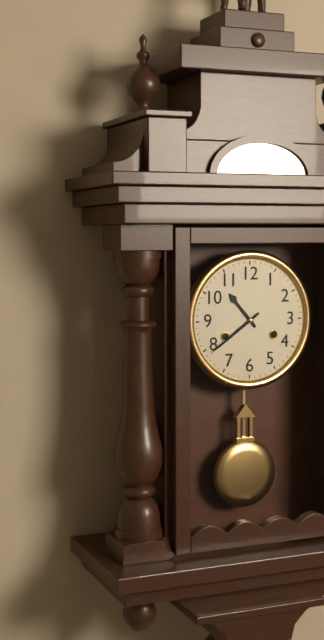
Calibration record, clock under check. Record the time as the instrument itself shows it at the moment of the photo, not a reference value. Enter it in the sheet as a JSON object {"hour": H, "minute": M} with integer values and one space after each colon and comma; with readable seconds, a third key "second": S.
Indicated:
{"hour": 10, "minute": 39}
